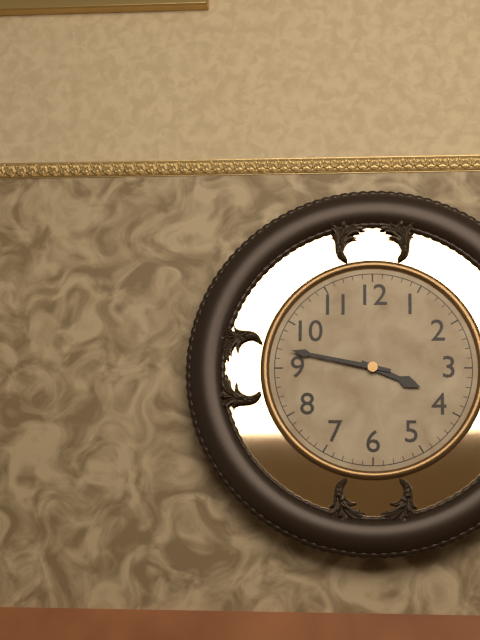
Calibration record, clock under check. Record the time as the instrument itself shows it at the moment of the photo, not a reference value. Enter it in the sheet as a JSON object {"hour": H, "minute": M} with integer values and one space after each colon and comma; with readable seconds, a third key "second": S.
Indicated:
{"hour": 3, "minute": 47}
